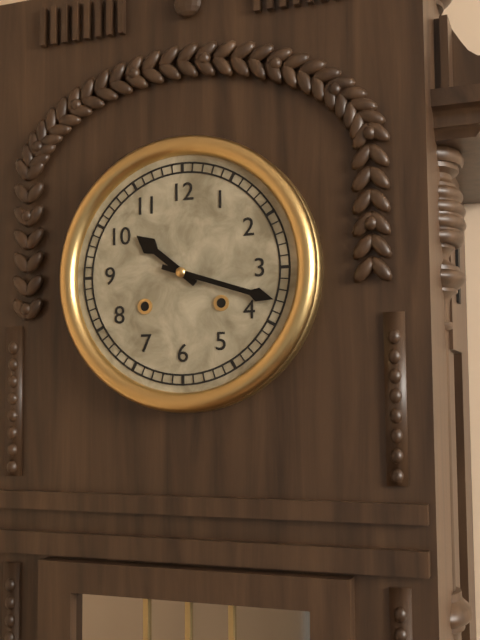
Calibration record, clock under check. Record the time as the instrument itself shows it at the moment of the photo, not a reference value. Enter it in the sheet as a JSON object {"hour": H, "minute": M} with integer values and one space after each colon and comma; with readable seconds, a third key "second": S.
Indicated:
{"hour": 10, "minute": 18}
